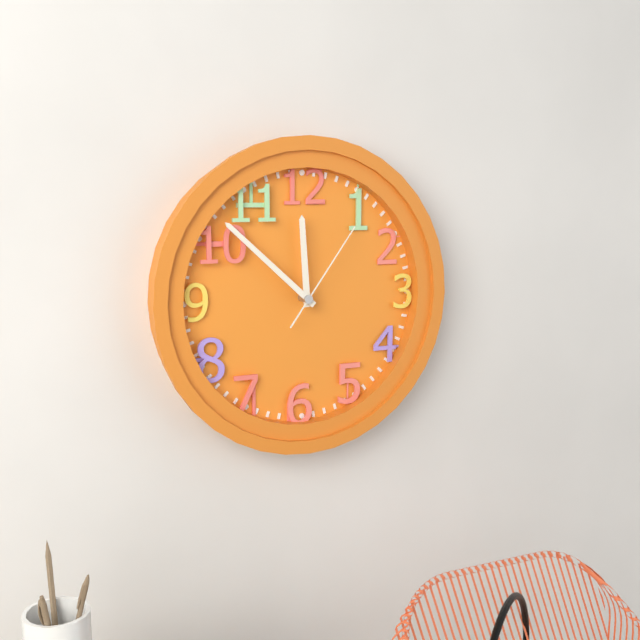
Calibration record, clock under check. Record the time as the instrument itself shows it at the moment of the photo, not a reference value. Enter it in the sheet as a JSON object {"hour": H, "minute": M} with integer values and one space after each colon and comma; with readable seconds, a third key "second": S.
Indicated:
{"hour": 11, "minute": 52, "second": 6}
